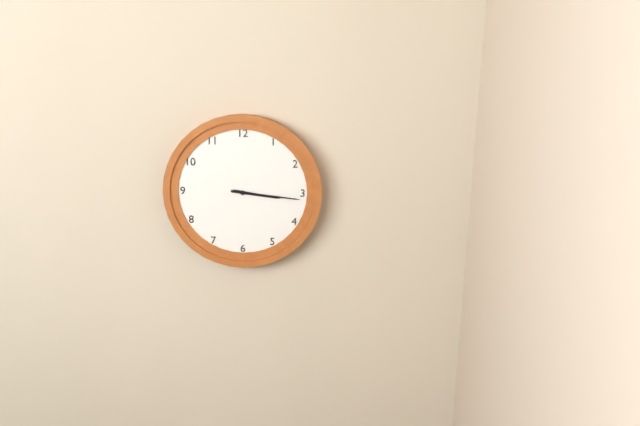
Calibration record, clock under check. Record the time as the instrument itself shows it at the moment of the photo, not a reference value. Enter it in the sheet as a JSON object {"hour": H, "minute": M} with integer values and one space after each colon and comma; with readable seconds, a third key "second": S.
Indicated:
{"hour": 3, "minute": 16}
